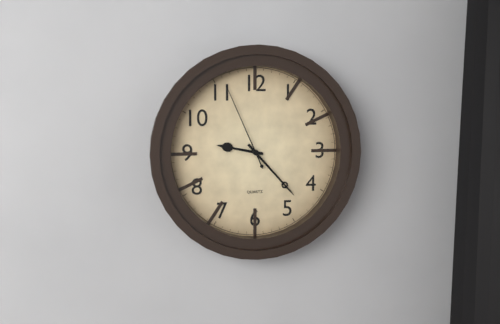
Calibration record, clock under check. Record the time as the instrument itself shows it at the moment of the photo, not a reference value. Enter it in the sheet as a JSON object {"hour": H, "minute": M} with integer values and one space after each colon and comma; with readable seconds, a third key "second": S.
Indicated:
{"hour": 9, "minute": 23, "second": 56}
